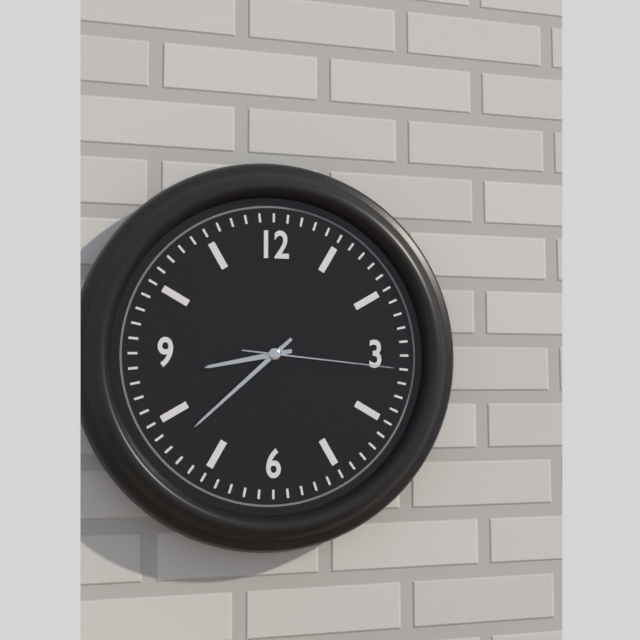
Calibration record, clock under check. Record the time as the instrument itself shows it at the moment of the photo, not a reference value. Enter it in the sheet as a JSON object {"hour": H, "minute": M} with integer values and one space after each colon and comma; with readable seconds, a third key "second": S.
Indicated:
{"hour": 8, "minute": 38, "second": 16}
